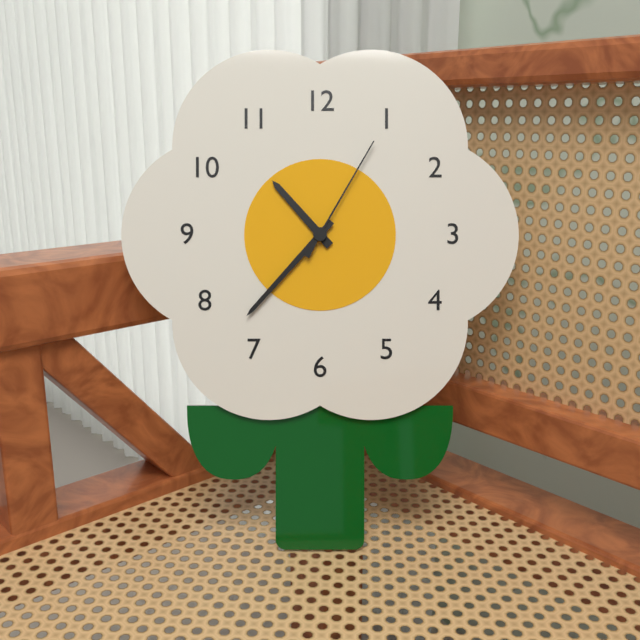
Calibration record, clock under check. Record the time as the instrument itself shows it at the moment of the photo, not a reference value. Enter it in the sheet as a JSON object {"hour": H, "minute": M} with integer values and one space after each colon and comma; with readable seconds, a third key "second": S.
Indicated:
{"hour": 10, "minute": 37, "second": 5}
